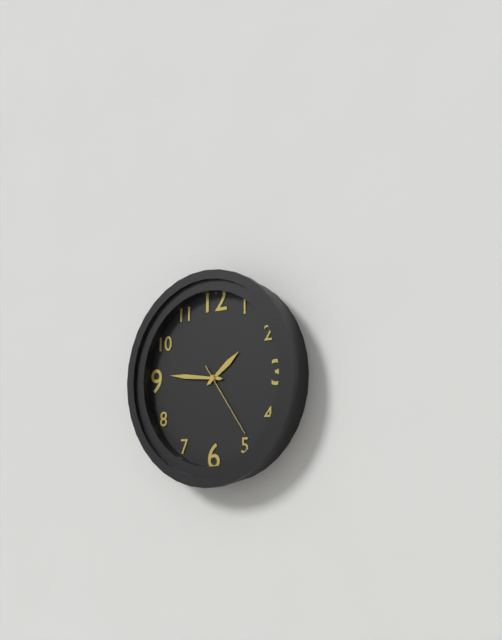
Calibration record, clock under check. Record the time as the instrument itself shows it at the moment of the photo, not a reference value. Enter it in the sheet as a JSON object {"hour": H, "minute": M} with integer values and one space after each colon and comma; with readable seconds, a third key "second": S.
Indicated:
{"hour": 1, "minute": 46, "second": 24}
